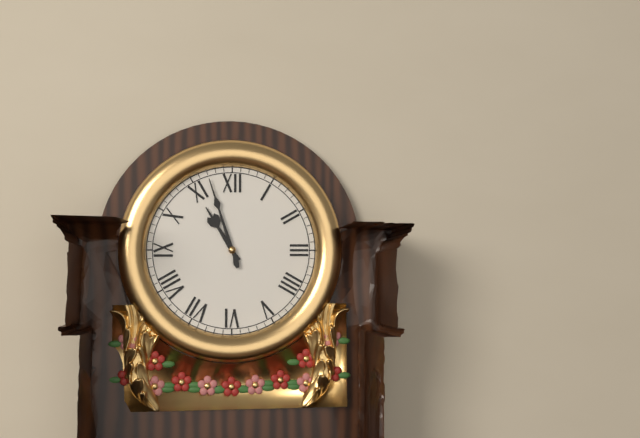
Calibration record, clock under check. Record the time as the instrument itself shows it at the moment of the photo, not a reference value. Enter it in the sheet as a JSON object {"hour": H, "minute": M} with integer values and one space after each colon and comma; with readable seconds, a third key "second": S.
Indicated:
{"hour": 10, "minute": 57}
